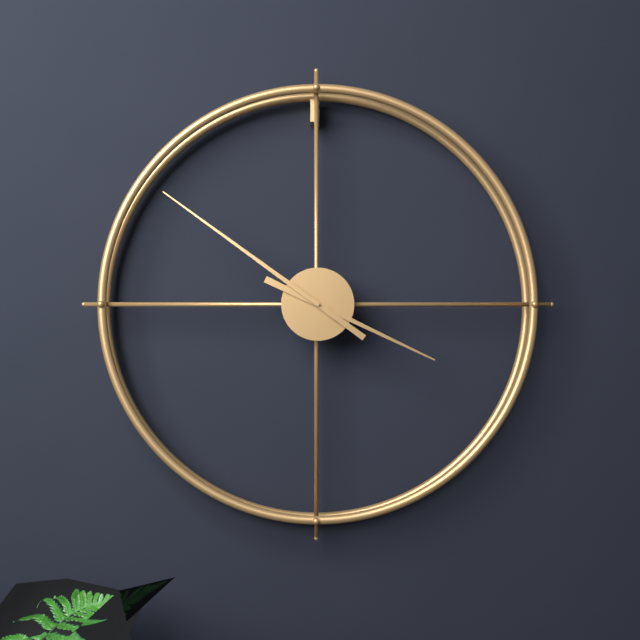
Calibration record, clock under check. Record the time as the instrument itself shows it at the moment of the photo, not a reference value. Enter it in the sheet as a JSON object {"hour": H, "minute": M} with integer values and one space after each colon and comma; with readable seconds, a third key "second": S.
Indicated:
{"hour": 3, "minute": 51}
